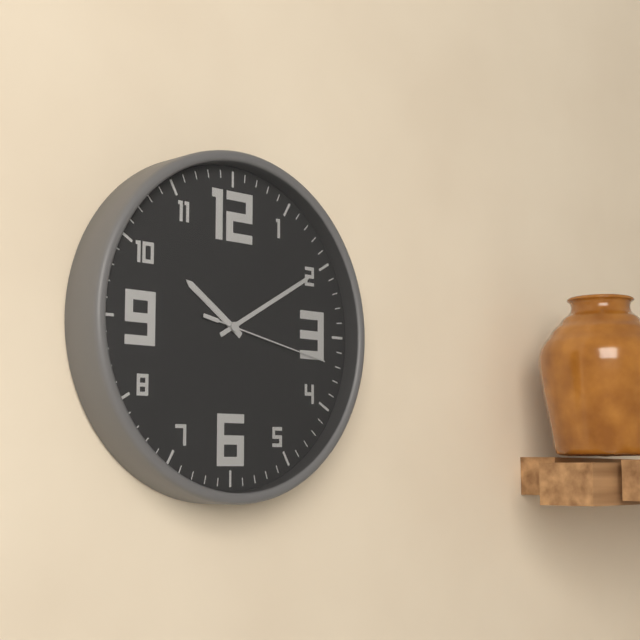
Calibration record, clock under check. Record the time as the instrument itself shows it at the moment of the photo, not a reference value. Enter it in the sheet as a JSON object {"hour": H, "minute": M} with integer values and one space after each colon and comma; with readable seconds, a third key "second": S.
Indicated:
{"hour": 10, "minute": 10, "second": 17}
